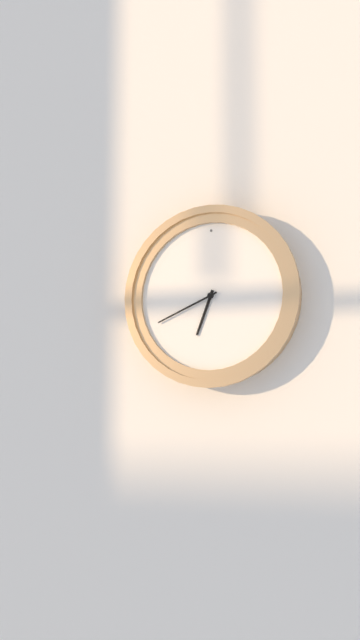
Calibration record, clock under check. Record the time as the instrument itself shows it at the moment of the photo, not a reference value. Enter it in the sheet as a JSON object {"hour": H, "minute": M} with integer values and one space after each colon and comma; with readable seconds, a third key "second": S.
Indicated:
{"hour": 6, "minute": 41}
